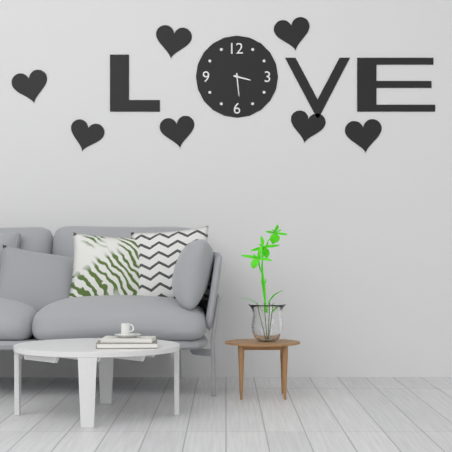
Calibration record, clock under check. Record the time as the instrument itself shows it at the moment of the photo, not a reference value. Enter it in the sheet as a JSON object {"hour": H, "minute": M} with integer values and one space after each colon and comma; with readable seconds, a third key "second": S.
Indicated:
{"hour": 3, "minute": 29}
